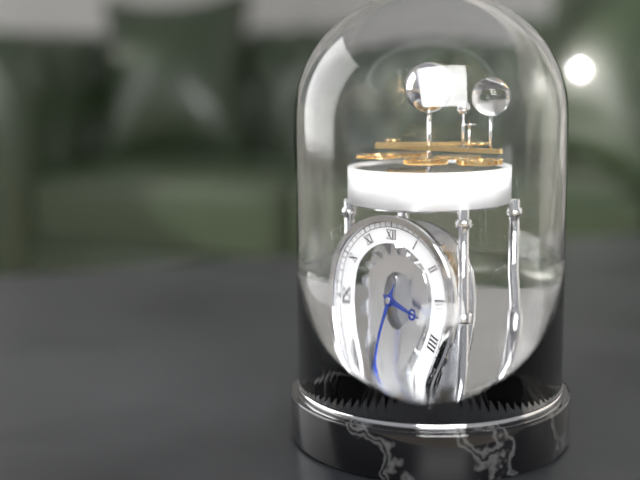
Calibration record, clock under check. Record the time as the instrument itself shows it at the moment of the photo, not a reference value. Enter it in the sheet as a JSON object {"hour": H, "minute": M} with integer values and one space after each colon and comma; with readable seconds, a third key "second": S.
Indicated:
{"hour": 3, "minute": 35}
